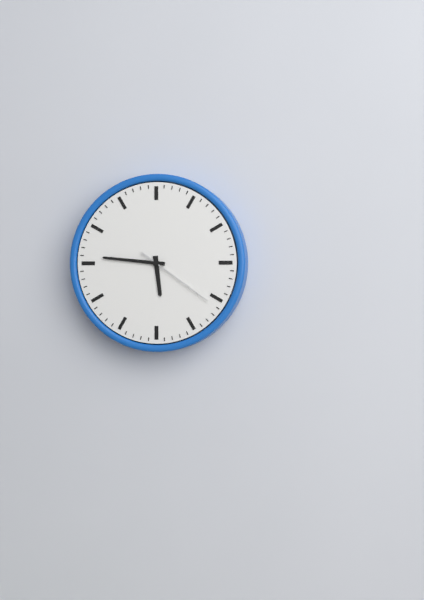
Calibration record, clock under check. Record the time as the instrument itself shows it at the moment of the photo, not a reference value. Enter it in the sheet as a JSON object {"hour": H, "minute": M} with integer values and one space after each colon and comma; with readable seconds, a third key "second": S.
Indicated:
{"hour": 5, "minute": 46, "second": 21}
